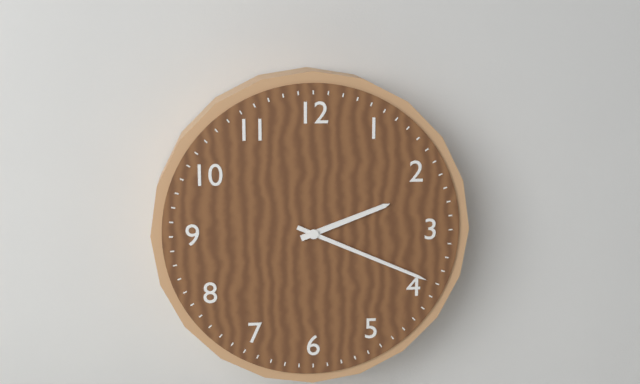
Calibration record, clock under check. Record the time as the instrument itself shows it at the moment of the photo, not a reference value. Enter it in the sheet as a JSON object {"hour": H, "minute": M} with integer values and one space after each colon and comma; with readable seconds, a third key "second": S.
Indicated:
{"hour": 2, "minute": 19}
